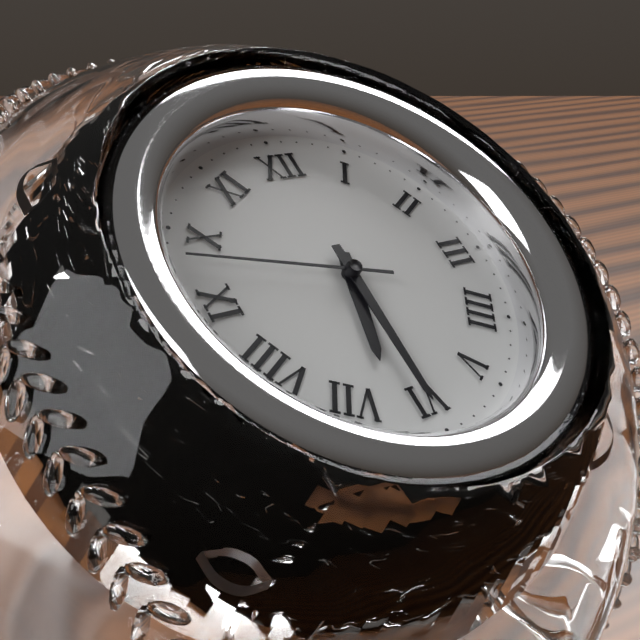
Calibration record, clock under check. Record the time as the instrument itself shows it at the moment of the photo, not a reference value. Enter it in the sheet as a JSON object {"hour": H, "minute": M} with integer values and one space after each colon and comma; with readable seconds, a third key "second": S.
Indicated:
{"hour": 6, "minute": 30, "second": 48}
